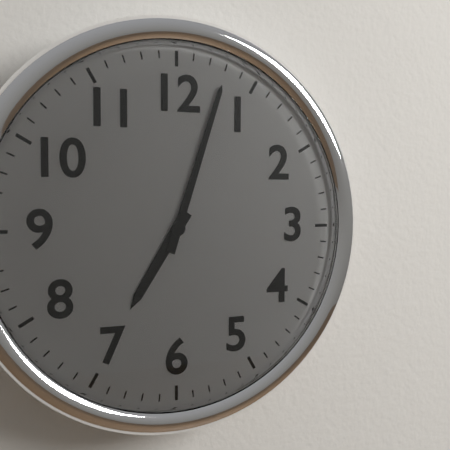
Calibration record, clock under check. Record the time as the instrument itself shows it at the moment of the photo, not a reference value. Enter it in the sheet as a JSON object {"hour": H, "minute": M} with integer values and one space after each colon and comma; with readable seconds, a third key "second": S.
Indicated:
{"hour": 7, "minute": 3}
